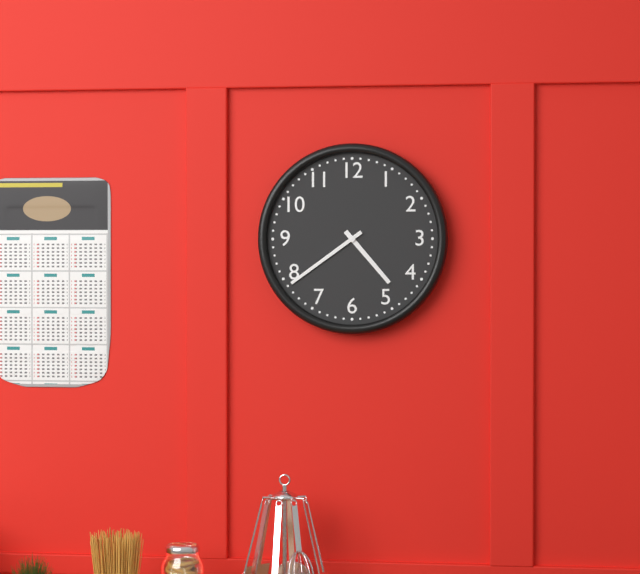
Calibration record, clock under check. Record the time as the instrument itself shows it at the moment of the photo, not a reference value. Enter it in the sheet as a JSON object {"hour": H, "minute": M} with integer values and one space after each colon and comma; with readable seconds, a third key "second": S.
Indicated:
{"hour": 4, "minute": 39}
